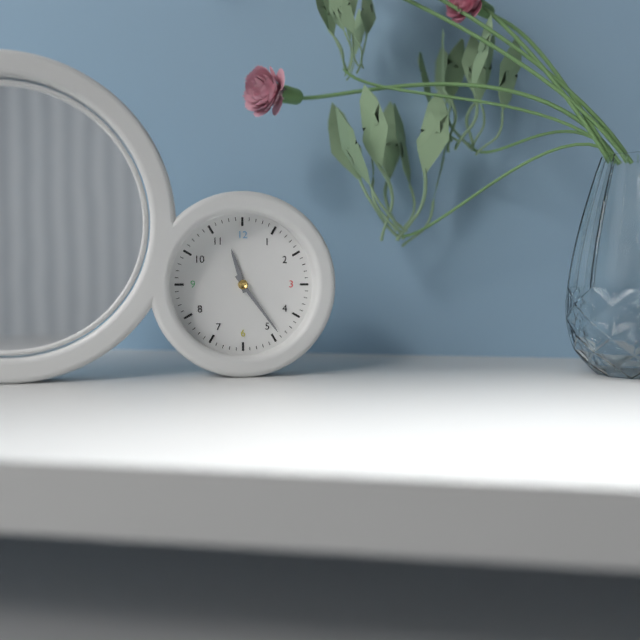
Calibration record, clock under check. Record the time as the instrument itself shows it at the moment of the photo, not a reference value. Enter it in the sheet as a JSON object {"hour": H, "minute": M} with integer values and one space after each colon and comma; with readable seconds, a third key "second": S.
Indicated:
{"hour": 11, "minute": 24}
